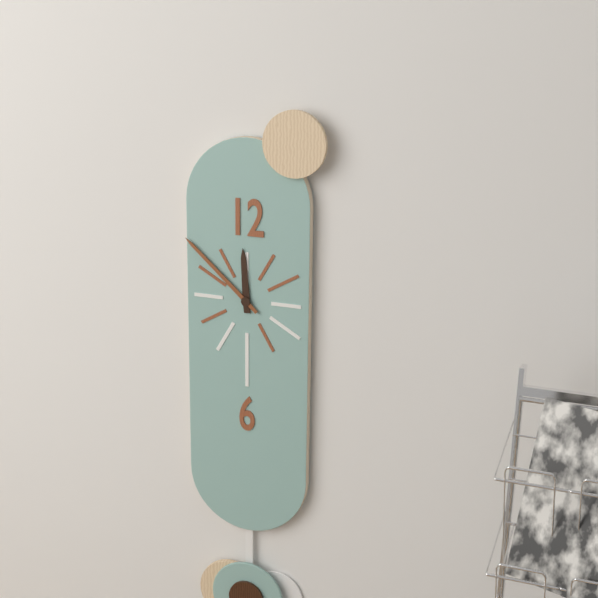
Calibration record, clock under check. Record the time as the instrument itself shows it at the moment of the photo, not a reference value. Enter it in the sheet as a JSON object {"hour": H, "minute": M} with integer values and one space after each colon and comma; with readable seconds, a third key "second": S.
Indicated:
{"hour": 11, "minute": 52}
